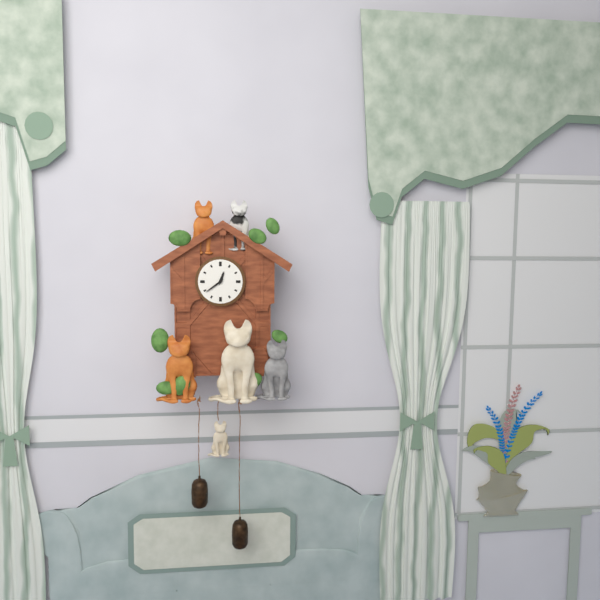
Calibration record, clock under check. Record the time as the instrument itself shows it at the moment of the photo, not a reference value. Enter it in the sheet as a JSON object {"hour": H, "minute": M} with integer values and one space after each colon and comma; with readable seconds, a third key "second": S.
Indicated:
{"hour": 12, "minute": 39}
